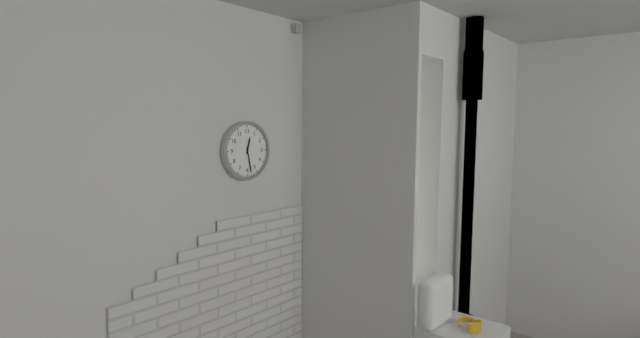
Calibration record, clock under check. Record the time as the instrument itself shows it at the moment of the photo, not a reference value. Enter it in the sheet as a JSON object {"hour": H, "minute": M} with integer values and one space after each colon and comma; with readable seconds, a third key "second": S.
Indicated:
{"hour": 12, "minute": 28}
